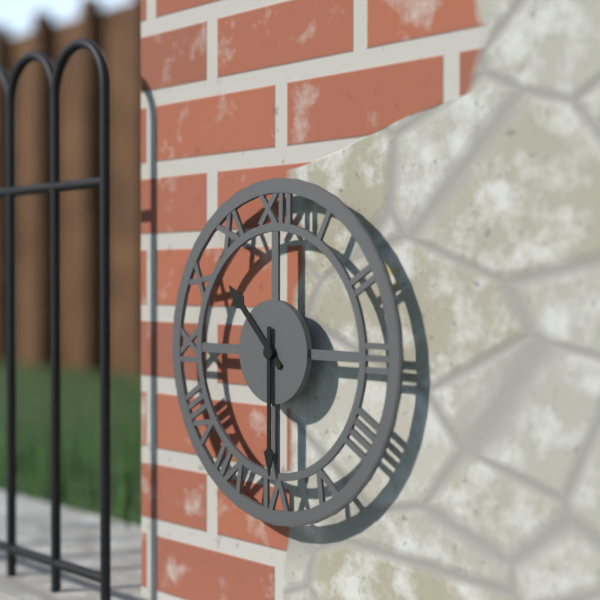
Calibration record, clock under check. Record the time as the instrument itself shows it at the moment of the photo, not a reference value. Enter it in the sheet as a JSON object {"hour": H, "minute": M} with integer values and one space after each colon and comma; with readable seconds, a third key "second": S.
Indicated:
{"hour": 10, "minute": 30}
